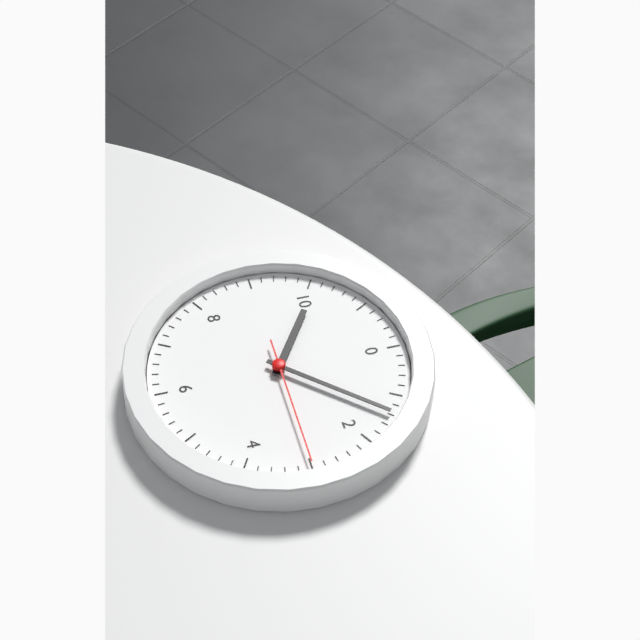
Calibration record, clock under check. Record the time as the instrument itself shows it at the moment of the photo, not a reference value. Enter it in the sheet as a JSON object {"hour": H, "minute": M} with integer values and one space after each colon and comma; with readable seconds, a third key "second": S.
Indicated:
{"hour": 10, "minute": 7, "second": 15}
